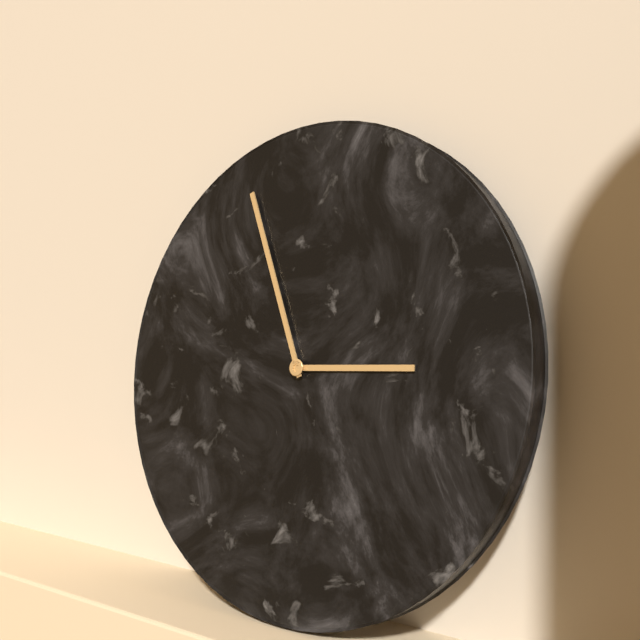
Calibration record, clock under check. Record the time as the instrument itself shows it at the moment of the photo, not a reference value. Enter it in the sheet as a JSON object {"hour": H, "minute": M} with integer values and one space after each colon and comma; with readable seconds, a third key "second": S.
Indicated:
{"hour": 2, "minute": 56}
